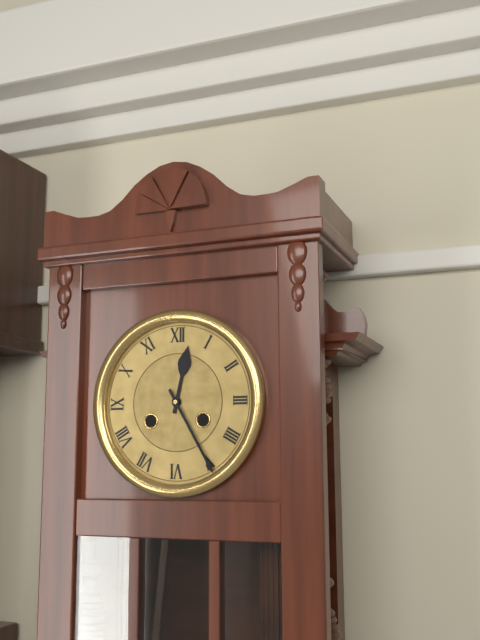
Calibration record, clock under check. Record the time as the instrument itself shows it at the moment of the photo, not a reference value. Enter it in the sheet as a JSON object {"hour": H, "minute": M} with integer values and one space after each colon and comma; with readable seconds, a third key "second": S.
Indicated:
{"hour": 12, "minute": 25}
